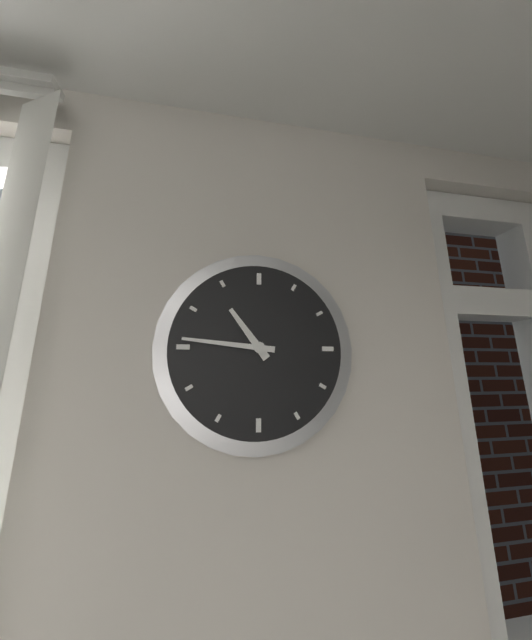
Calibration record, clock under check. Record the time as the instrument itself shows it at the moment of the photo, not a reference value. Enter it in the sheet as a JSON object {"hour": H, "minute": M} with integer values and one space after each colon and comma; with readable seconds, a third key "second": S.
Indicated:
{"hour": 10, "minute": 46}
